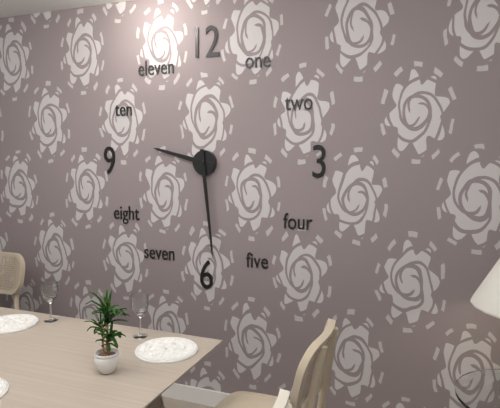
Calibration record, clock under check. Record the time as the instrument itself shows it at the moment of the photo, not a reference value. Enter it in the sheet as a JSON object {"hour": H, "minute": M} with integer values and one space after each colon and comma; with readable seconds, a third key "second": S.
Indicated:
{"hour": 9, "minute": 29}
